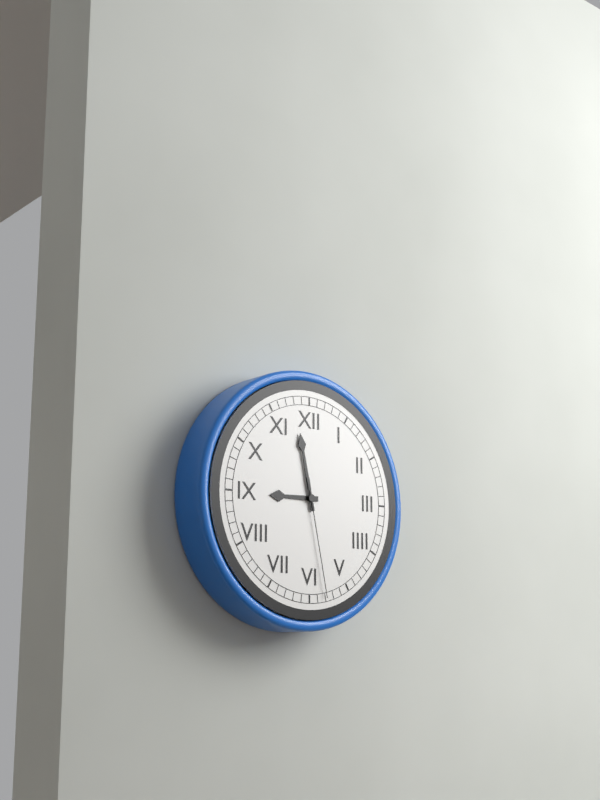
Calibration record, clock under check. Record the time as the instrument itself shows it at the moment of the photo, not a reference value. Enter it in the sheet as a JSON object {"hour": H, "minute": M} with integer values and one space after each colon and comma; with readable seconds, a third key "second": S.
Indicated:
{"hour": 8, "minute": 58, "second": 28}
